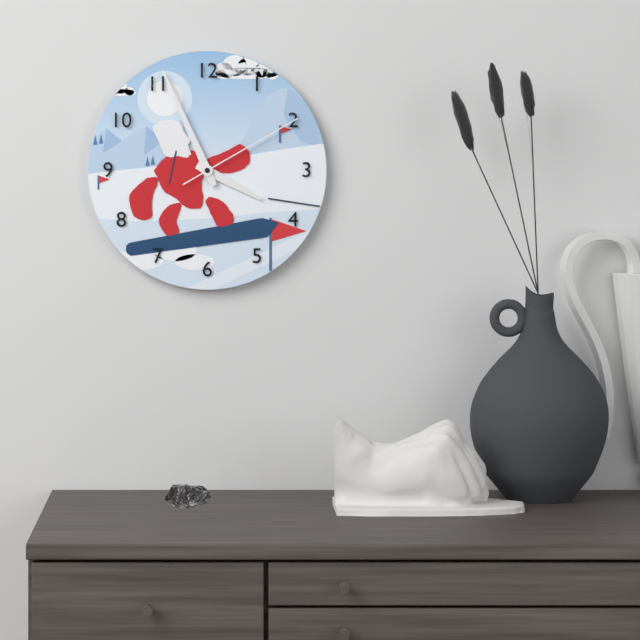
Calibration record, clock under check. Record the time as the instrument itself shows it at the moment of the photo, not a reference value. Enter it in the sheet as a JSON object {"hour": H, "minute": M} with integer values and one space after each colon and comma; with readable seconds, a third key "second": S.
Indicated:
{"hour": 3, "minute": 56, "second": 10}
